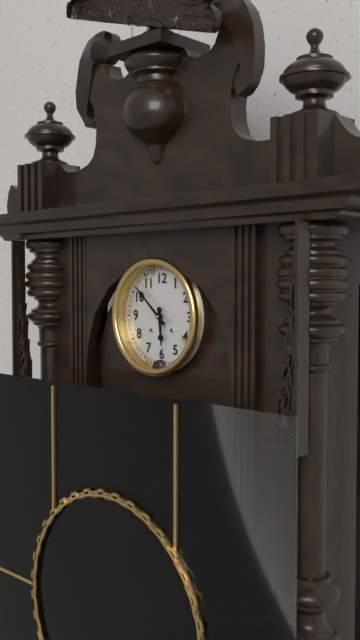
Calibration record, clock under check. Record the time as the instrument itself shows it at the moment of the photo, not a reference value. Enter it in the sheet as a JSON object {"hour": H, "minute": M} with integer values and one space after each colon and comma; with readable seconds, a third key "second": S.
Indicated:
{"hour": 5, "minute": 52}
